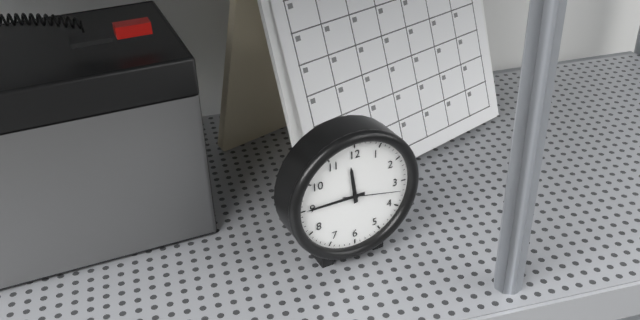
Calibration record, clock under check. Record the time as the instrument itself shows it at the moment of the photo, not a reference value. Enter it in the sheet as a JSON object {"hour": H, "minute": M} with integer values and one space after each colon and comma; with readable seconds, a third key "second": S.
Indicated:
{"hour": 11, "minute": 45, "second": 17}
